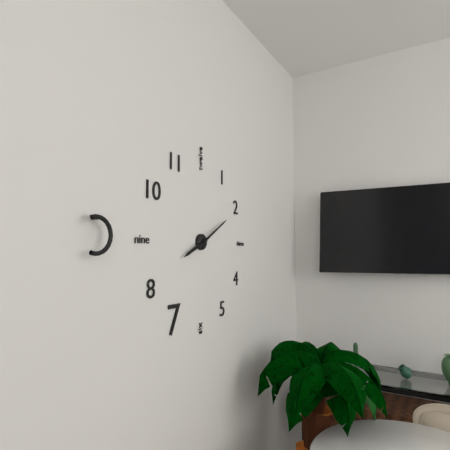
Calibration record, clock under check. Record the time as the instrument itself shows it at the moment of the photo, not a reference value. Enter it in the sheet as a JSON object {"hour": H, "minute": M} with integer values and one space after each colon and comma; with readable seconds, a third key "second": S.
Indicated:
{"hour": 8, "minute": 10}
